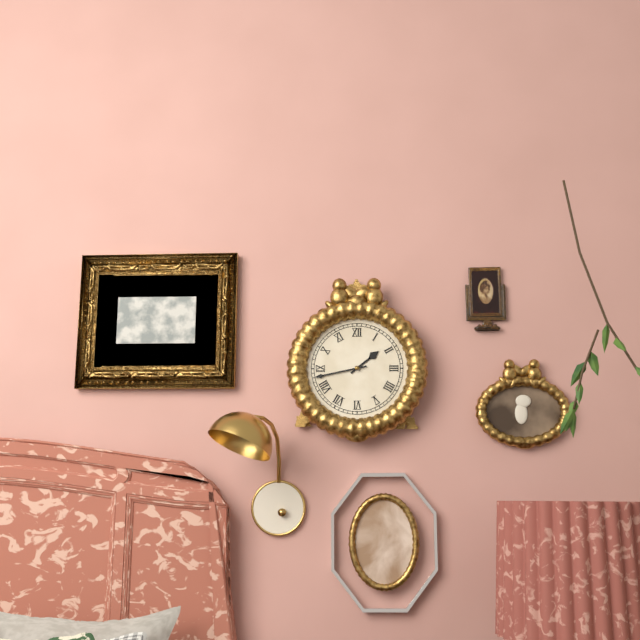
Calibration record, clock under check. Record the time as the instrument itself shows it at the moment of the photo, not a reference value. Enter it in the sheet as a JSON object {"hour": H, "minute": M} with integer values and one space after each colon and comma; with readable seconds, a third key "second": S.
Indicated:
{"hour": 1, "minute": 43}
